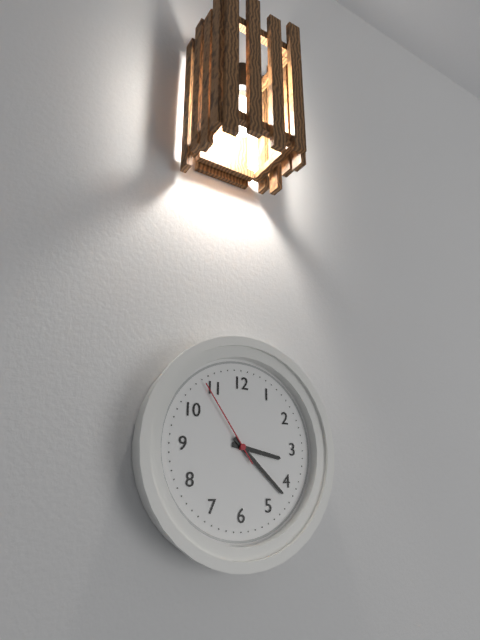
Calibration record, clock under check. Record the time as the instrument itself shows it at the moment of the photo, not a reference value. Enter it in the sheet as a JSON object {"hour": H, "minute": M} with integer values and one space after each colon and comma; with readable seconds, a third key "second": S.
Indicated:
{"hour": 3, "minute": 22, "second": 54}
